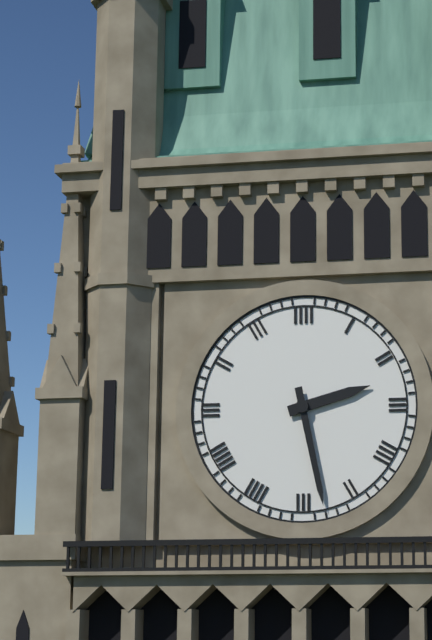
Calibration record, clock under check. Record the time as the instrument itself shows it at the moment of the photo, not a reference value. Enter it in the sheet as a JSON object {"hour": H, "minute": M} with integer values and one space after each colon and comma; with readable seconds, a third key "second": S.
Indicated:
{"hour": 2, "minute": 28}
